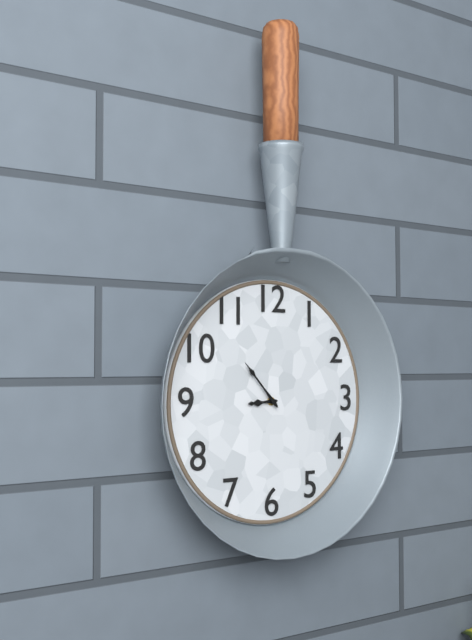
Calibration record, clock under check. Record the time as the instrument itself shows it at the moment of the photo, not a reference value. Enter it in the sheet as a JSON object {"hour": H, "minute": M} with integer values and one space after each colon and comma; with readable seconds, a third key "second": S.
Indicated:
{"hour": 8, "minute": 53}
